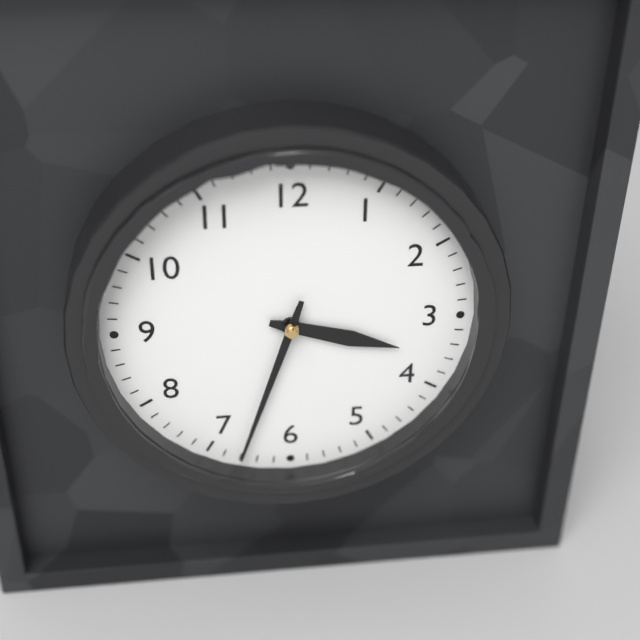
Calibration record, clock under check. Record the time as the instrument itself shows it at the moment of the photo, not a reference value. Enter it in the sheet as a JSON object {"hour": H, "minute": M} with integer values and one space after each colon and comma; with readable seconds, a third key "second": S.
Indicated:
{"hour": 3, "minute": 33}
